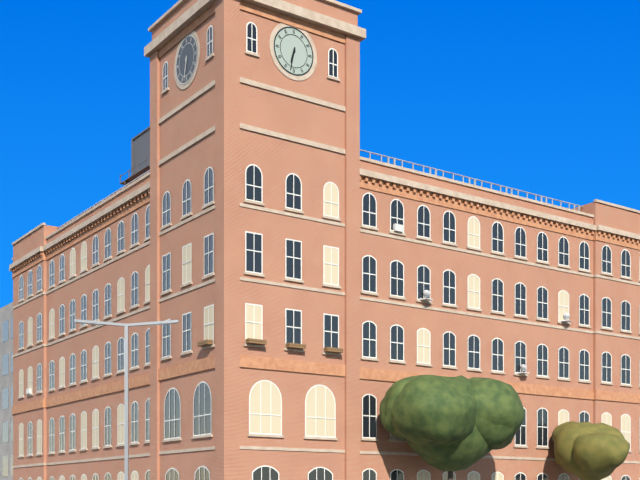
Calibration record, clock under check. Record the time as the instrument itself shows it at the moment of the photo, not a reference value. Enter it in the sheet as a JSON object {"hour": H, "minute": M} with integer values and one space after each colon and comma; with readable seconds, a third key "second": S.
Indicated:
{"hour": 6, "minute": 32}
